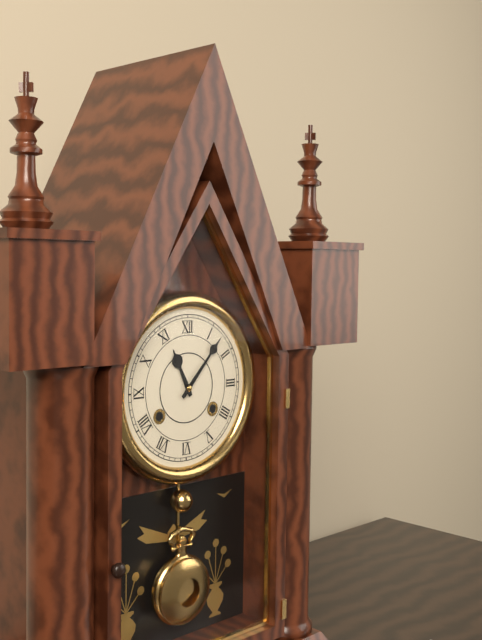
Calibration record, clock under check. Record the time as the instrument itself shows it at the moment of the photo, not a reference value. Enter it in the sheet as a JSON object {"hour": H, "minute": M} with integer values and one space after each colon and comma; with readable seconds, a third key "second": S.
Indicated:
{"hour": 11, "minute": 7}
